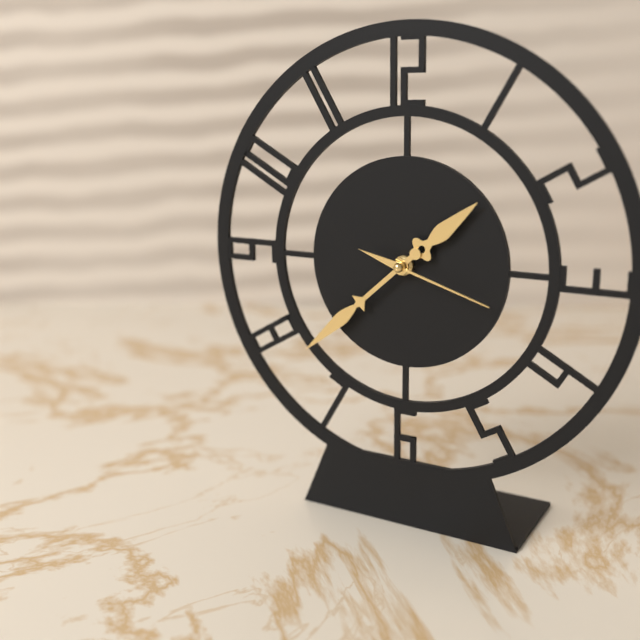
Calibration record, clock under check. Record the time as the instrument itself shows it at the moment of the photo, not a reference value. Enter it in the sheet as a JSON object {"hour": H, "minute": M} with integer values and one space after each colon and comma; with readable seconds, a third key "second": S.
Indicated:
{"hour": 1, "minute": 38, "second": 18}
